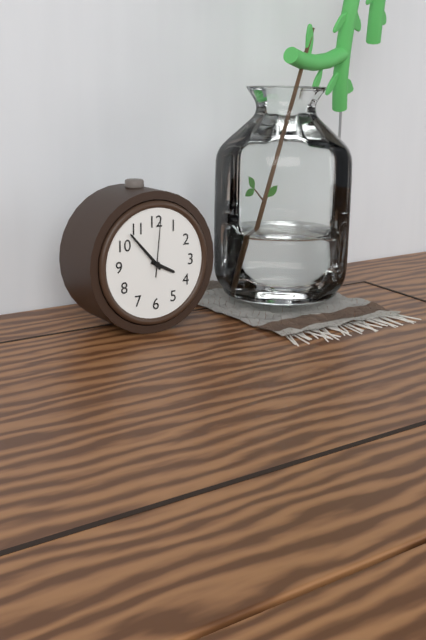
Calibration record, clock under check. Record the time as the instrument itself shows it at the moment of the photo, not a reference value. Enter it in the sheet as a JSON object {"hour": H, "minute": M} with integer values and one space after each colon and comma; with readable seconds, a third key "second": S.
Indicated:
{"hour": 3, "minute": 53, "second": 1}
